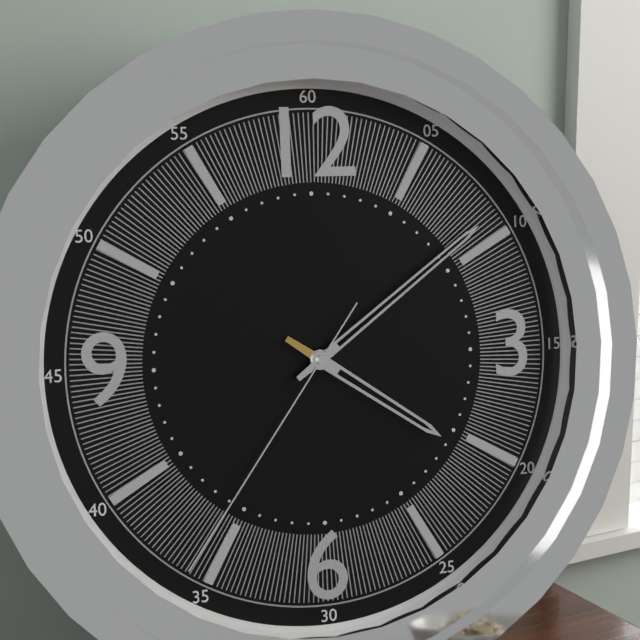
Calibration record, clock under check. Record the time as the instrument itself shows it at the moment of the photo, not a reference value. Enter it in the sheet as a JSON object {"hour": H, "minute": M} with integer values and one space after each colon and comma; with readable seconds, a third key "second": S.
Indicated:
{"hour": 4, "minute": 9, "second": 36}
